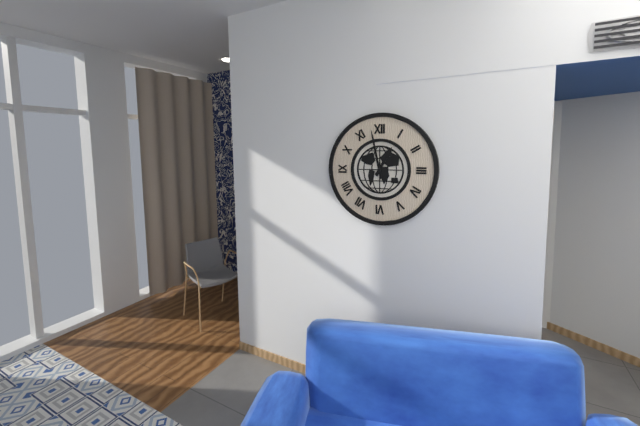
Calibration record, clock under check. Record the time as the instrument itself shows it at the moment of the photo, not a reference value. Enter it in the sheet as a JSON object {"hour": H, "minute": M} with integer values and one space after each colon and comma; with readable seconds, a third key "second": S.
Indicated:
{"hour": 12, "minute": 58}
